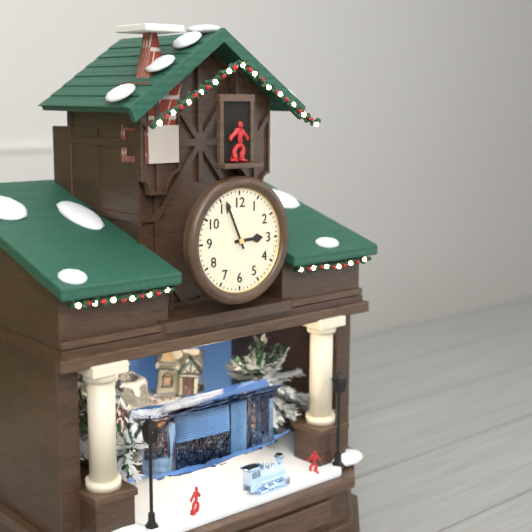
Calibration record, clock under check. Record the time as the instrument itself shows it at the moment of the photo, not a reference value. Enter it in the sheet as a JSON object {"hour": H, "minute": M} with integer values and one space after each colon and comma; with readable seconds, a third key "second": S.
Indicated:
{"hour": 2, "minute": 56}
